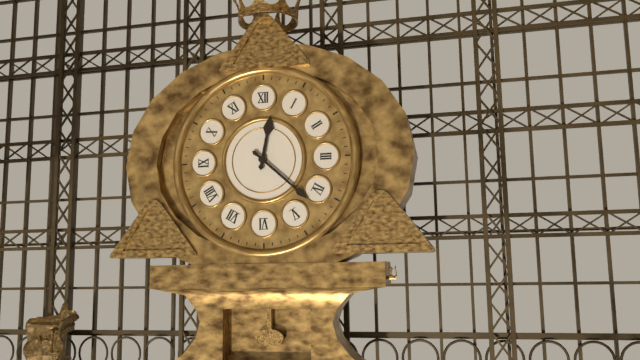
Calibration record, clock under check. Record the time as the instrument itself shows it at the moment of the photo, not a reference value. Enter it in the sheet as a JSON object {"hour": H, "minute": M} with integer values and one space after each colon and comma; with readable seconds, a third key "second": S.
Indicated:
{"hour": 12, "minute": 22}
